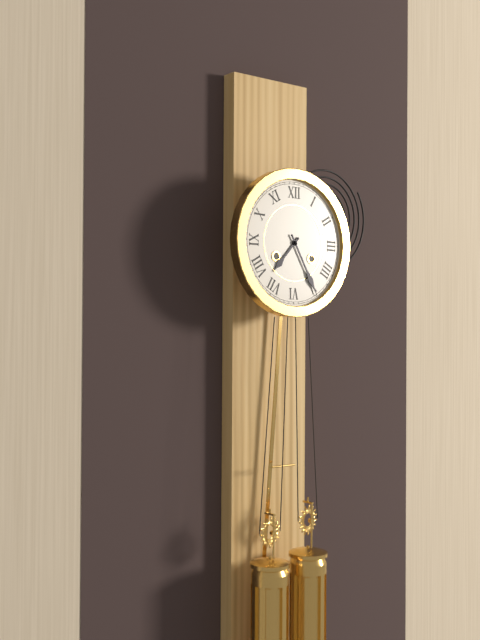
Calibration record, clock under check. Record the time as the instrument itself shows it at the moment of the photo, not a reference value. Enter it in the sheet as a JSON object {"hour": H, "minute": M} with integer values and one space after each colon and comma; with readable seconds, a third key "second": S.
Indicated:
{"hour": 7, "minute": 25}
